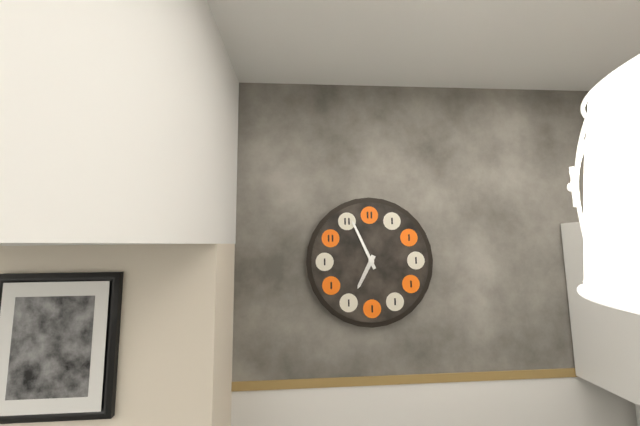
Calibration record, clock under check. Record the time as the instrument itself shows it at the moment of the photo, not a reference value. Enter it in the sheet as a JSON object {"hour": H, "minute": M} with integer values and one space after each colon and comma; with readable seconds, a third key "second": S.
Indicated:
{"hour": 6, "minute": 56}
